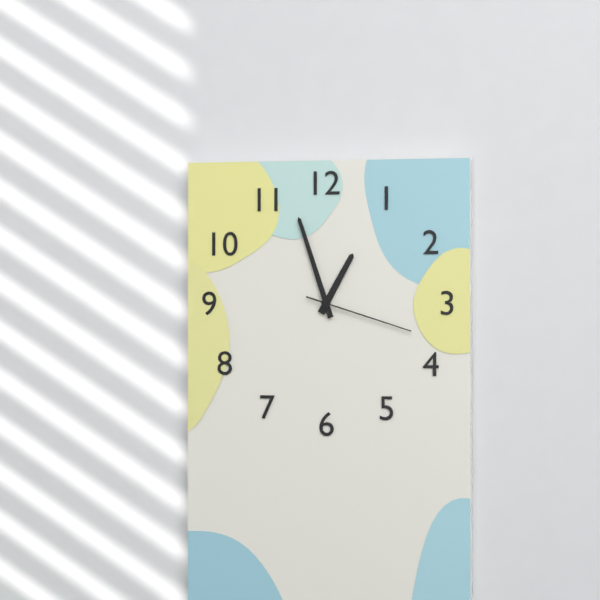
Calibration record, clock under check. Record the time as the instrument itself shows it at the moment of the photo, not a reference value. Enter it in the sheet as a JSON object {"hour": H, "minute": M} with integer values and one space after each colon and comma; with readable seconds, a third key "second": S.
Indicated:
{"hour": 12, "minute": 57, "second": 18}
